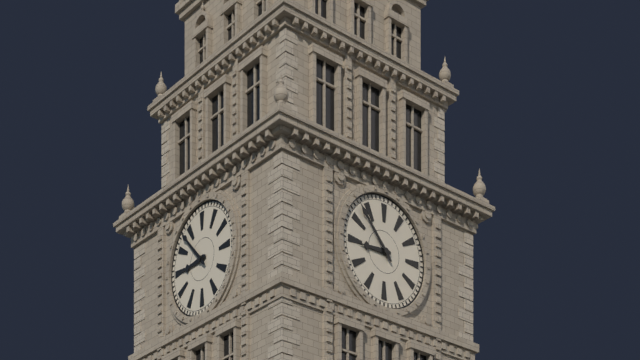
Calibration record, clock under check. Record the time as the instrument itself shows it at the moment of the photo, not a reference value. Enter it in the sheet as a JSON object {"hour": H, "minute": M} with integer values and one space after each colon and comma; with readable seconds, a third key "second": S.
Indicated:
{"hour": 8, "minute": 53}
